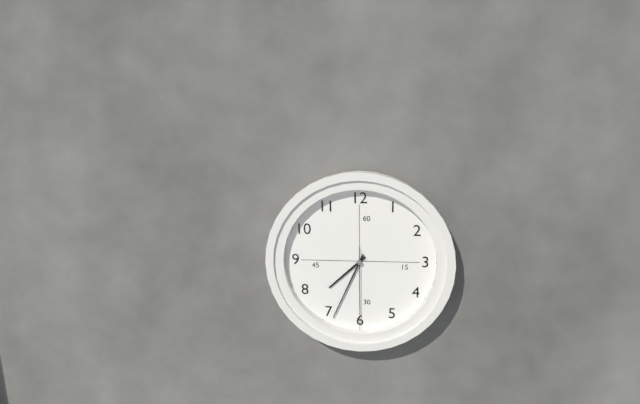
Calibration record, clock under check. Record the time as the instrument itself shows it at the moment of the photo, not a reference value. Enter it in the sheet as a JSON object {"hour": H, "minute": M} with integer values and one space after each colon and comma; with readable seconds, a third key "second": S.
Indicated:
{"hour": 7, "minute": 34, "second": 30}
